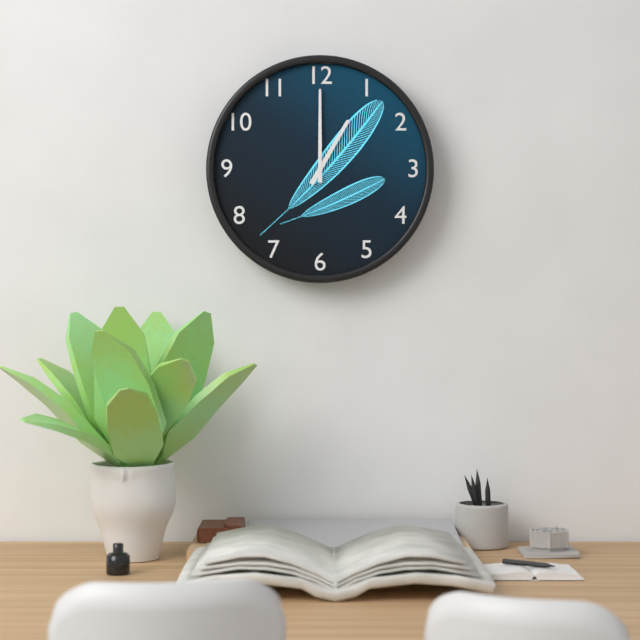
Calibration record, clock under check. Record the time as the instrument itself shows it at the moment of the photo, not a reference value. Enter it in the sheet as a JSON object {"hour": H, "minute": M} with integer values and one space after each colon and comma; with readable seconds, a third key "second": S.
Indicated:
{"hour": 1, "minute": 0}
